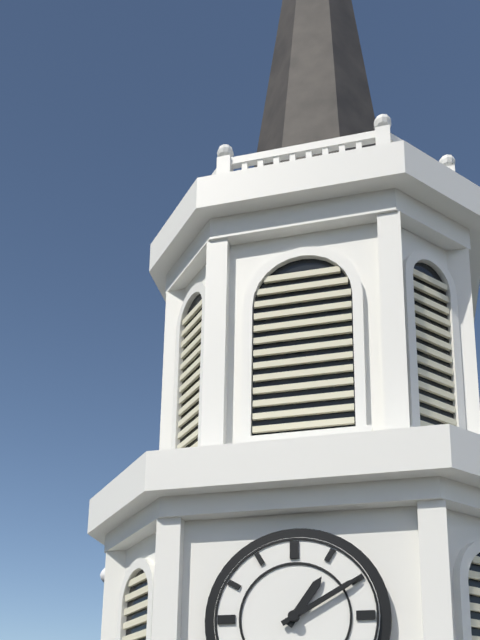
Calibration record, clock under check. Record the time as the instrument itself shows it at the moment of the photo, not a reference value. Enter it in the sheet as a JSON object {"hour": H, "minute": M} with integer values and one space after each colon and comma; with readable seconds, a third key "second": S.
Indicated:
{"hour": 1, "minute": 10}
